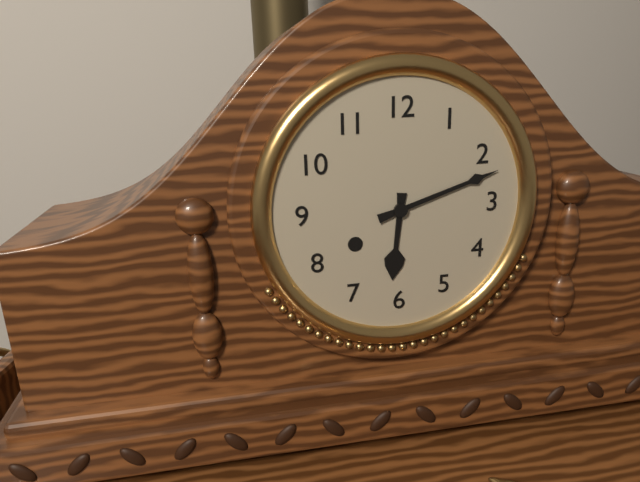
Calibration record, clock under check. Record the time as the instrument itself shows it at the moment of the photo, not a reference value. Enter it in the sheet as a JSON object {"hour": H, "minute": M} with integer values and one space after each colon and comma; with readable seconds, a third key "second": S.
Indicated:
{"hour": 6, "minute": 12}
